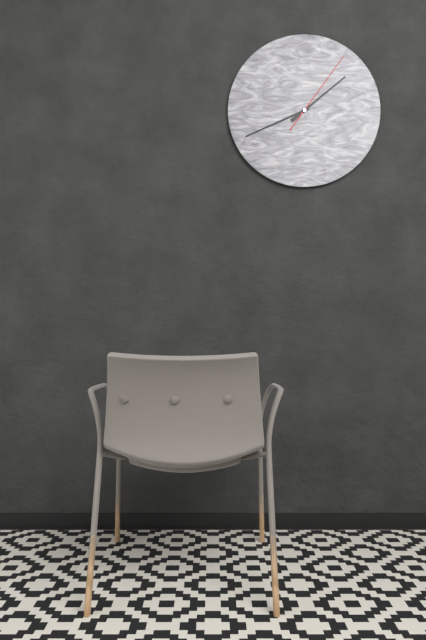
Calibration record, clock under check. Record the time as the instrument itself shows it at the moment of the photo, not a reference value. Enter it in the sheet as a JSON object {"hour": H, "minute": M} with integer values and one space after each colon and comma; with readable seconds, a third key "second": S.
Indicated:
{"hour": 1, "minute": 41, "second": 6}
